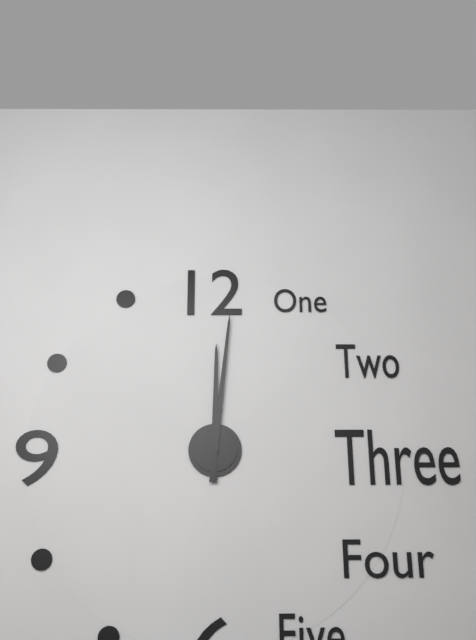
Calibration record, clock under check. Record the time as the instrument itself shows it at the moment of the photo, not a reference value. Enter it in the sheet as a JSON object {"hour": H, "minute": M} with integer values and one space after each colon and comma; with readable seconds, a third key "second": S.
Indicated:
{"hour": 12, "minute": 1}
